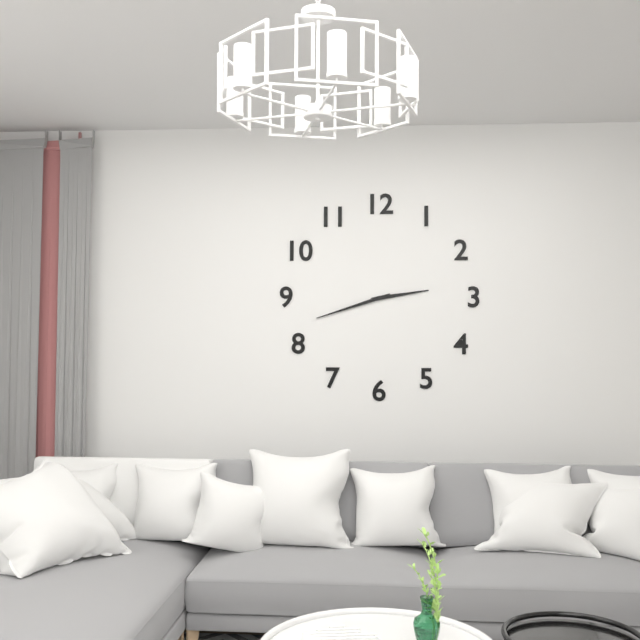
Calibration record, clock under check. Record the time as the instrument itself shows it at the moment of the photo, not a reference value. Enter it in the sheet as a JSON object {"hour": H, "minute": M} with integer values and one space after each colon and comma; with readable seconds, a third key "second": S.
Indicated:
{"hour": 2, "minute": 42}
